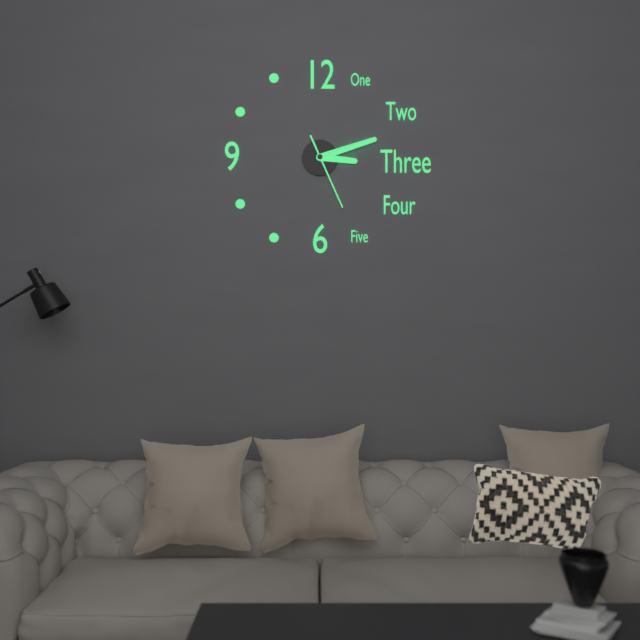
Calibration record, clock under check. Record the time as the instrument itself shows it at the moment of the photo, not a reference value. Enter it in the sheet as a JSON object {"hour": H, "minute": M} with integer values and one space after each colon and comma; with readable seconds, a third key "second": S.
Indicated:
{"hour": 3, "minute": 12, "second": 26}
